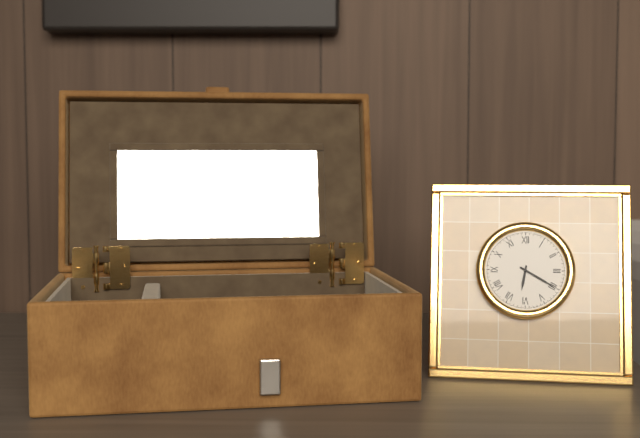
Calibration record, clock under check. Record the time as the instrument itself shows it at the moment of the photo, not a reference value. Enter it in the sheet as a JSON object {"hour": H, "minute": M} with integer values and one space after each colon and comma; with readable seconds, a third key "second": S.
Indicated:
{"hour": 6, "minute": 20}
